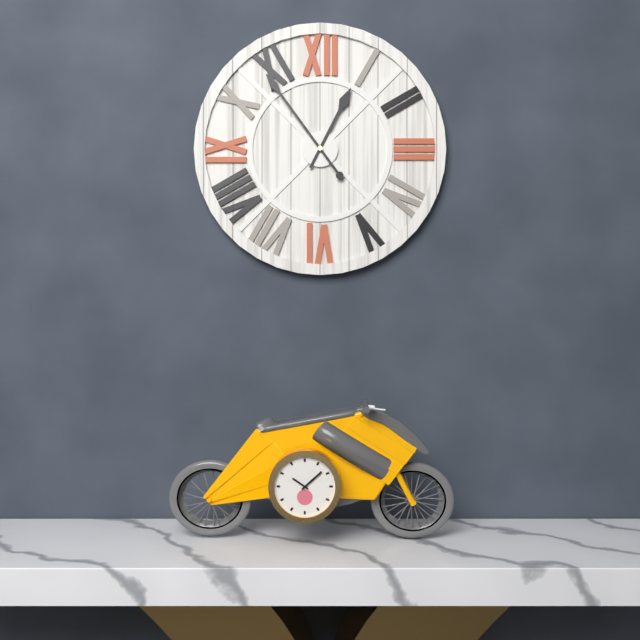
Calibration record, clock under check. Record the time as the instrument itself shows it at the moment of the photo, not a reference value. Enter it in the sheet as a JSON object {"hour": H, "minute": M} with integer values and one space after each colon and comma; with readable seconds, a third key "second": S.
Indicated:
{"hour": 12, "minute": 54}
